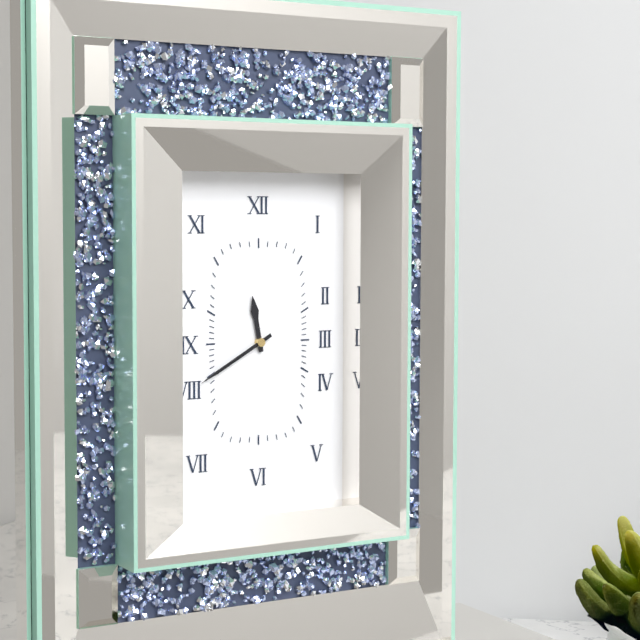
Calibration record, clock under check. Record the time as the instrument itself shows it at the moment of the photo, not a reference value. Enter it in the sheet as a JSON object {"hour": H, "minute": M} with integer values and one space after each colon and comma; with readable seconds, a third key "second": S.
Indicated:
{"hour": 11, "minute": 40}
